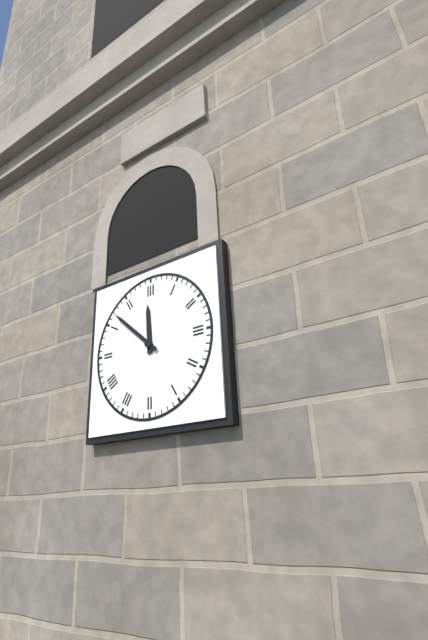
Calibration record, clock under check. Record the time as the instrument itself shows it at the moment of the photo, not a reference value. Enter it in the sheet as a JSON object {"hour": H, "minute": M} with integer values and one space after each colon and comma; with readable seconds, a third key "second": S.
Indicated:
{"hour": 11, "minute": 52}
